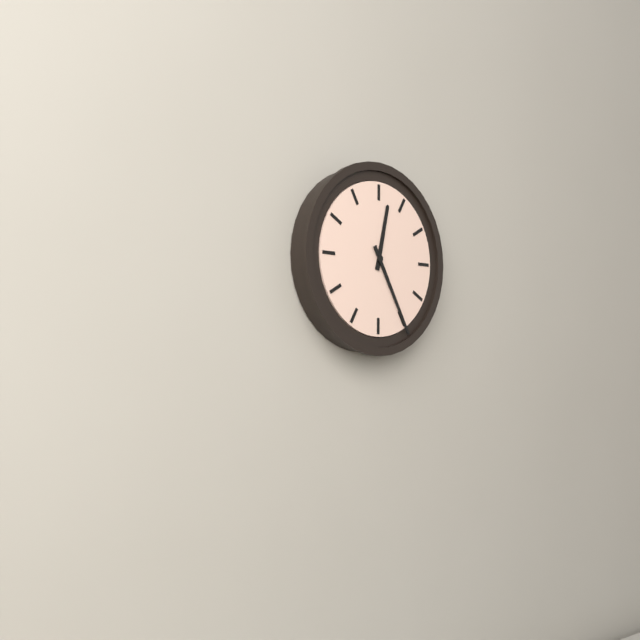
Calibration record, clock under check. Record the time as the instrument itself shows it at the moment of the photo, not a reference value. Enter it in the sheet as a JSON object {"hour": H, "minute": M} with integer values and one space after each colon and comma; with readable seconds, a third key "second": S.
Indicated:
{"hour": 12, "minute": 25}
